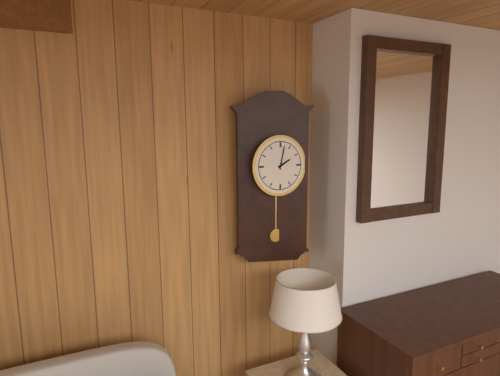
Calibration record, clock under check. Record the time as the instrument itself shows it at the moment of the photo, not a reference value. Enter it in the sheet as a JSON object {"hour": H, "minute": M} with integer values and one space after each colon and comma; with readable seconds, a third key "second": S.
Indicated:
{"hour": 2, "minute": 2}
